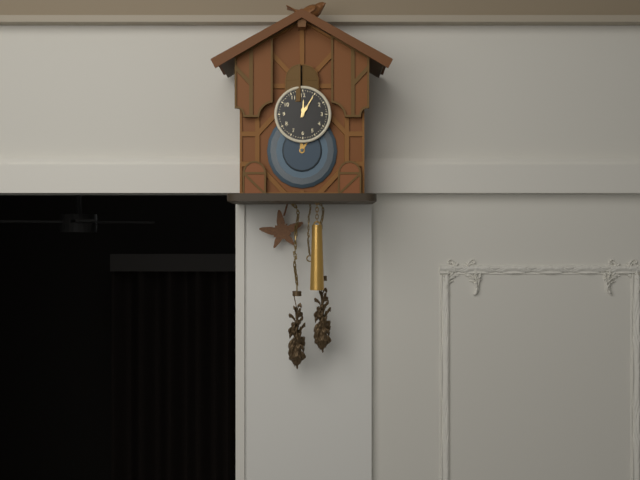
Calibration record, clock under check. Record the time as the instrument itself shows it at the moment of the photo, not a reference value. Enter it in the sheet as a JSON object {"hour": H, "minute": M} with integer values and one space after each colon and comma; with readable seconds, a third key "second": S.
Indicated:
{"hour": 12, "minute": 5}
